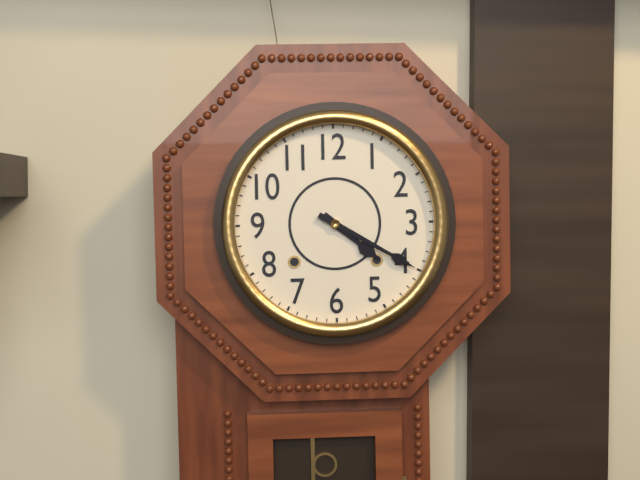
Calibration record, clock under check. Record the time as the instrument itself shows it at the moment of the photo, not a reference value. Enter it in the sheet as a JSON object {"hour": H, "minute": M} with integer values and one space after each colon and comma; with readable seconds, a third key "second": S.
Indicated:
{"hour": 4, "minute": 20}
